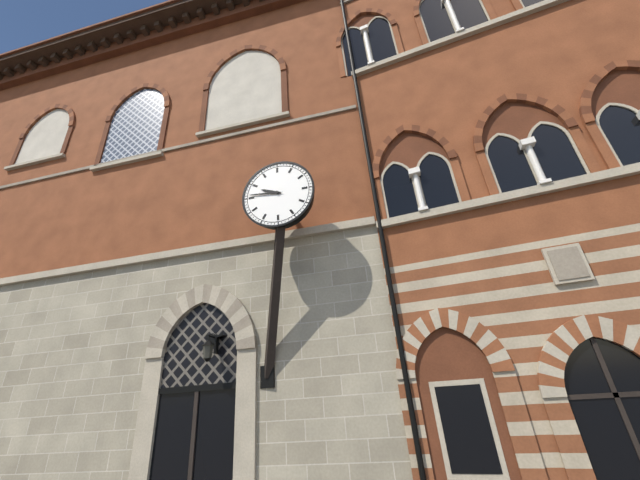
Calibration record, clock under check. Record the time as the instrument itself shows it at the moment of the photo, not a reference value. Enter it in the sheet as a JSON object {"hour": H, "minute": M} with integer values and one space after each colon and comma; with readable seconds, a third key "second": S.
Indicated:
{"hour": 9, "minute": 46}
